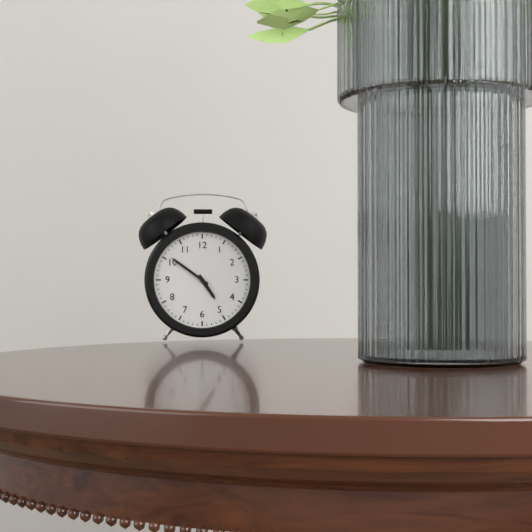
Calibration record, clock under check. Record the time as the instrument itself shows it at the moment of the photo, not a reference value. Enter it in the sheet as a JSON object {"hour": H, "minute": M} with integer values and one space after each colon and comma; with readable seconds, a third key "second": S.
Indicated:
{"hour": 4, "minute": 51}
